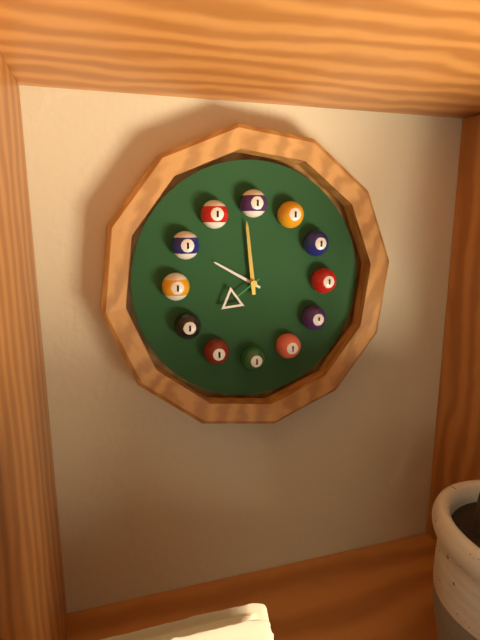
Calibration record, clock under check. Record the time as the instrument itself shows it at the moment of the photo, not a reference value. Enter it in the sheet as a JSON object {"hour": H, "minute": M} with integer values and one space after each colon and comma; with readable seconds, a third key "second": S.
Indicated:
{"hour": 9, "minute": 59, "second": 39}
